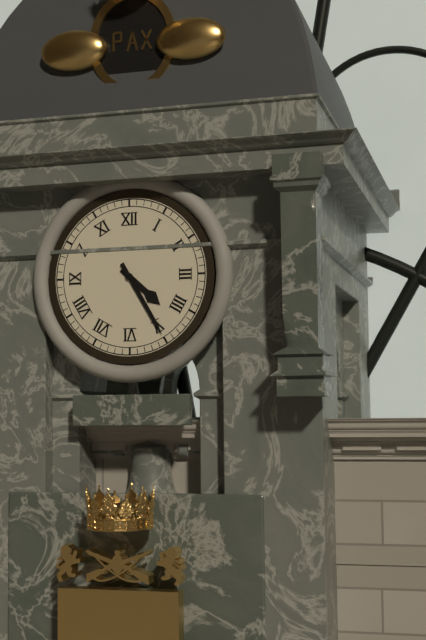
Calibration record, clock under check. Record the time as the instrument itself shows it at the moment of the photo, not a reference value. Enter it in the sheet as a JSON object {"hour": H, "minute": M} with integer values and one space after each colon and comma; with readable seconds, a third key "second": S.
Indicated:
{"hour": 4, "minute": 25}
